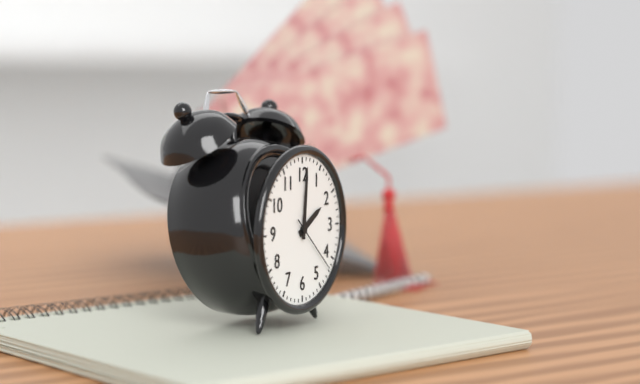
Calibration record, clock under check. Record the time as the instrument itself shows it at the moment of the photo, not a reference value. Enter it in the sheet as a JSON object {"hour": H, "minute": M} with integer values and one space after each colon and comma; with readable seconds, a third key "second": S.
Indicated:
{"hour": 2, "minute": 1, "second": 22}
